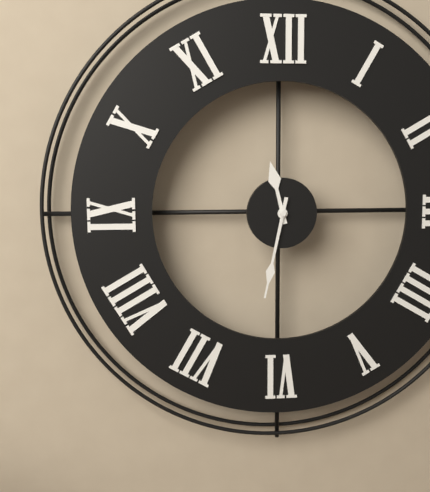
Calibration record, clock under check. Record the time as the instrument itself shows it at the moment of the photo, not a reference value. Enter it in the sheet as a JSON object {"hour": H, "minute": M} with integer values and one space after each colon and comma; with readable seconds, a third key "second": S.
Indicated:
{"hour": 11, "minute": 32}
